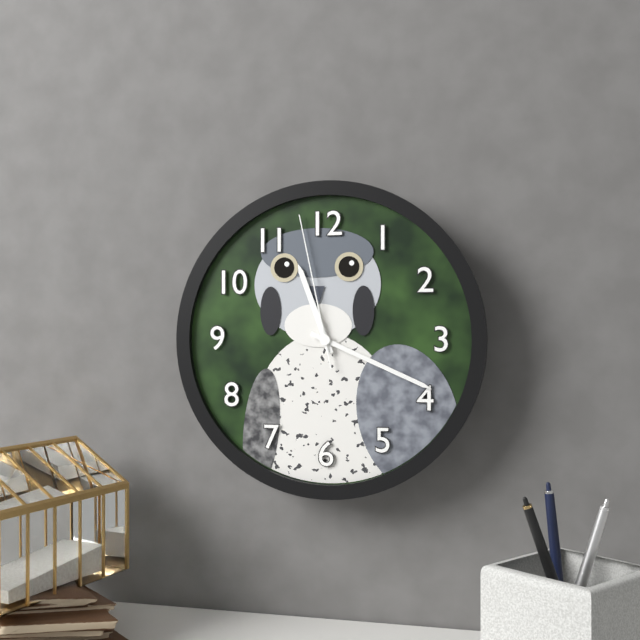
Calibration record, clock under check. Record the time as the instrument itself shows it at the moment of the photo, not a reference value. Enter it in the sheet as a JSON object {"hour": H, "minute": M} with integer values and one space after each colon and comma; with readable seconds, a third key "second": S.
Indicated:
{"hour": 11, "minute": 19, "second": 58}
